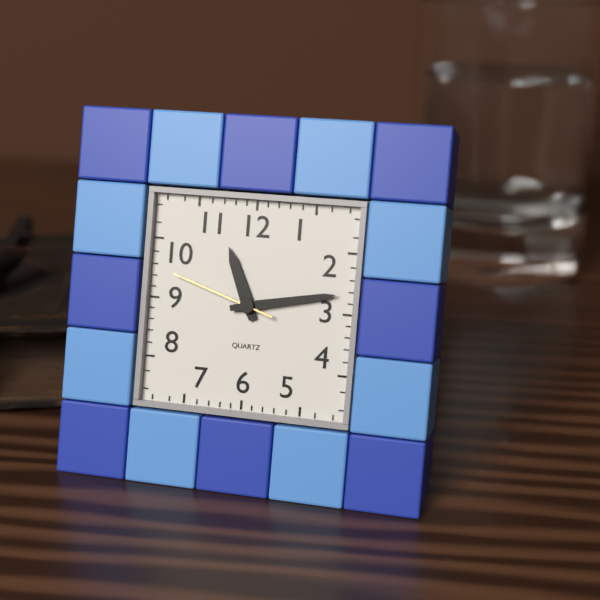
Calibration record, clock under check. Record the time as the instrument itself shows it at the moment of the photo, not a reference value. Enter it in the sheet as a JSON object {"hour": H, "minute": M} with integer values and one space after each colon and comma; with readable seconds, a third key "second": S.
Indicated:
{"hour": 11, "minute": 13, "second": 48}
